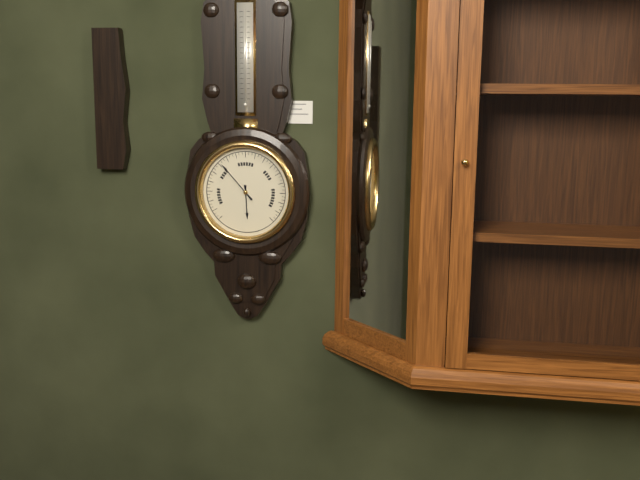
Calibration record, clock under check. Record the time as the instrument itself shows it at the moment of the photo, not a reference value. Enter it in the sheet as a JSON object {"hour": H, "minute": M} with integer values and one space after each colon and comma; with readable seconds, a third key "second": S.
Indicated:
{"hour": 5, "minute": 53}
